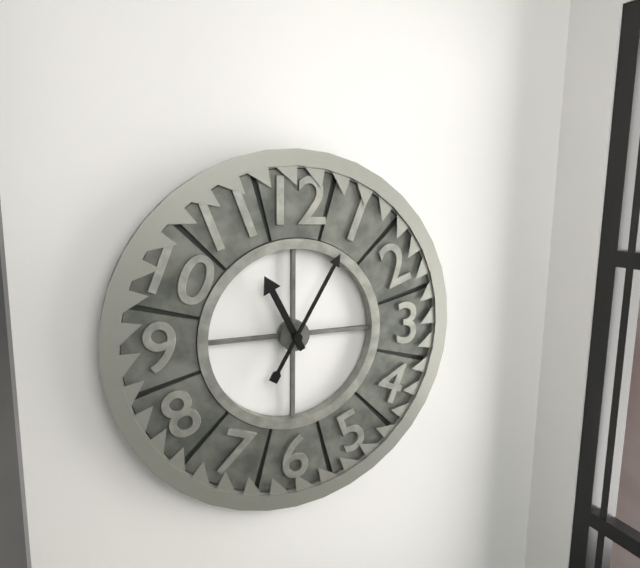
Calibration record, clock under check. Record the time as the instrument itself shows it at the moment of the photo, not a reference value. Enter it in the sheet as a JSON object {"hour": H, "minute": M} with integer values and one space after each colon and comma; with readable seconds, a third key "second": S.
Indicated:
{"hour": 11, "minute": 5}
